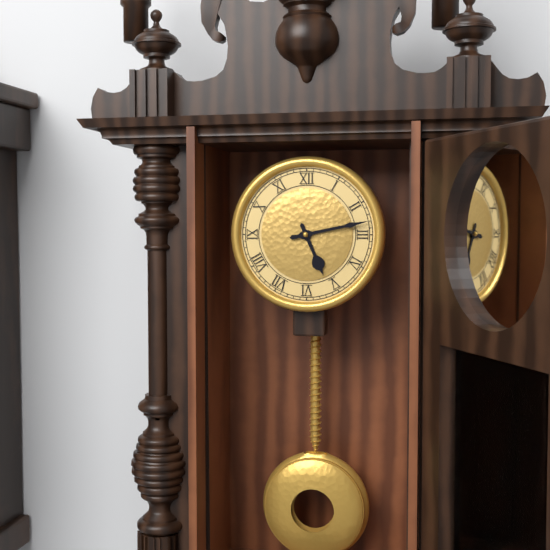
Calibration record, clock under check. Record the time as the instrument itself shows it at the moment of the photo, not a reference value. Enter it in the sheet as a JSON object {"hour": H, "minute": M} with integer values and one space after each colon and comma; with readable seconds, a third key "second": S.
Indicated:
{"hour": 5, "minute": 13}
